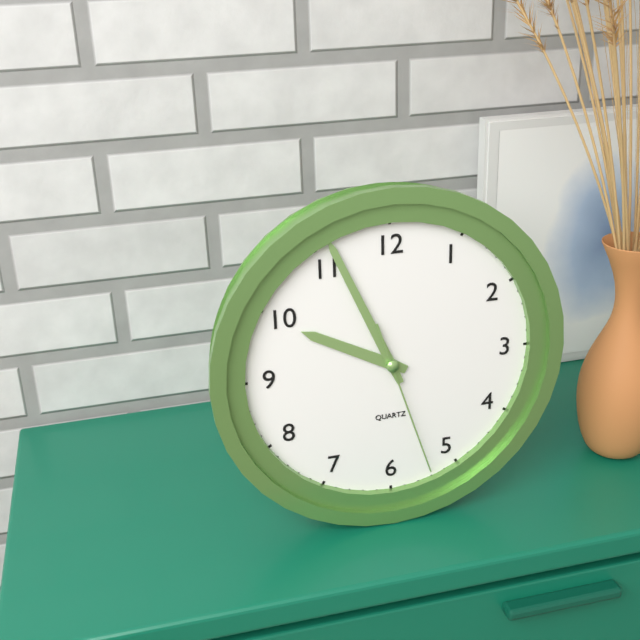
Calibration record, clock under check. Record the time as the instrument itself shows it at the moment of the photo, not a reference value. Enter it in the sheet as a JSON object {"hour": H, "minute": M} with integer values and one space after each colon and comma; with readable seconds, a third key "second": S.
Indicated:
{"hour": 9, "minute": 56, "second": 27}
